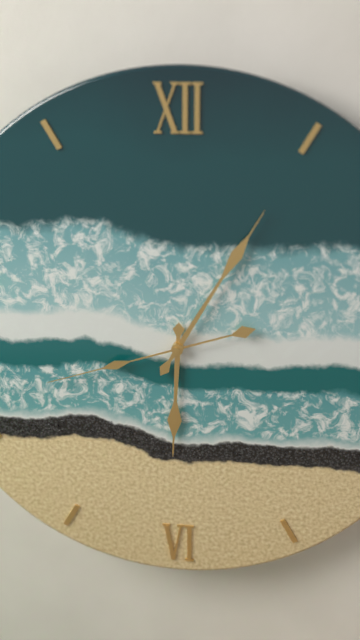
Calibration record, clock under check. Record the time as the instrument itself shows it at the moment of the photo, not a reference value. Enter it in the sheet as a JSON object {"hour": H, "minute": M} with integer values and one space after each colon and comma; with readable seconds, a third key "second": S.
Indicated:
{"hour": 6, "minute": 5, "second": 42}
